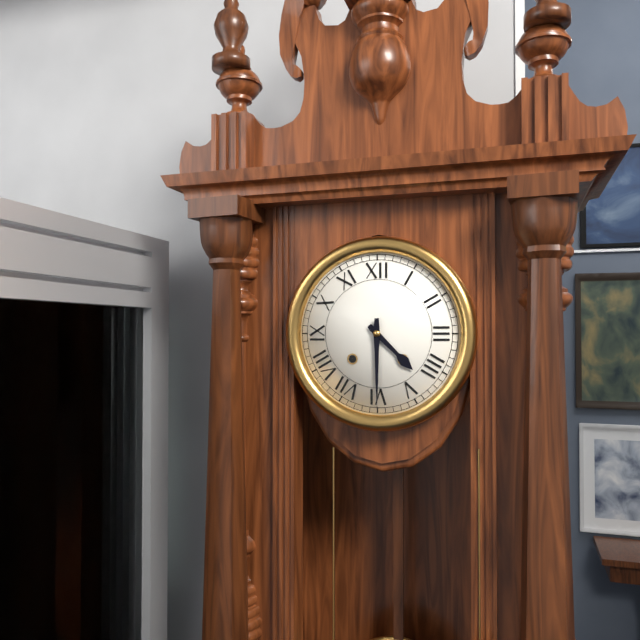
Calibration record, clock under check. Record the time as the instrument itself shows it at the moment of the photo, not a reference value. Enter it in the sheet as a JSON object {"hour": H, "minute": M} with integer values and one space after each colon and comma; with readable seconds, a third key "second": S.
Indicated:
{"hour": 4, "minute": 30}
